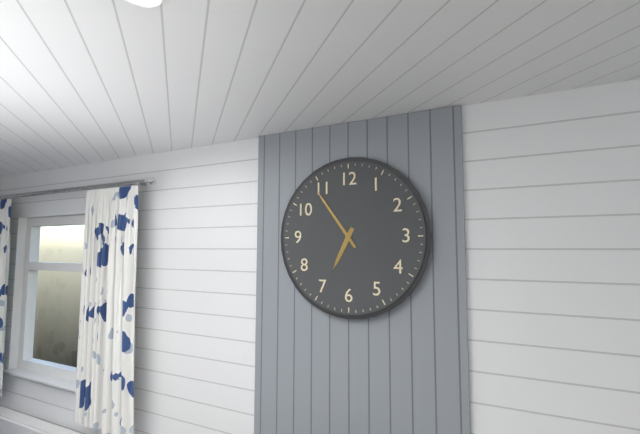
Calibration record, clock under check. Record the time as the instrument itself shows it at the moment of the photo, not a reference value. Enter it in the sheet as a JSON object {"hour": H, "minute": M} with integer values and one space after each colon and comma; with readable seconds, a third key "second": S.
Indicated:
{"hour": 6, "minute": 54}
